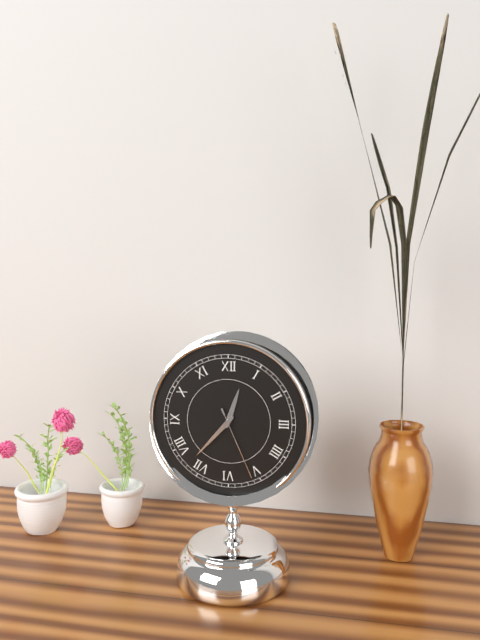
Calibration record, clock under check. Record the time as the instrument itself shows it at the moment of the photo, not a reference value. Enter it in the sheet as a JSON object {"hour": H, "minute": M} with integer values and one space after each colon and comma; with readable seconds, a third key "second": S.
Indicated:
{"hour": 12, "minute": 37, "second": 26}
